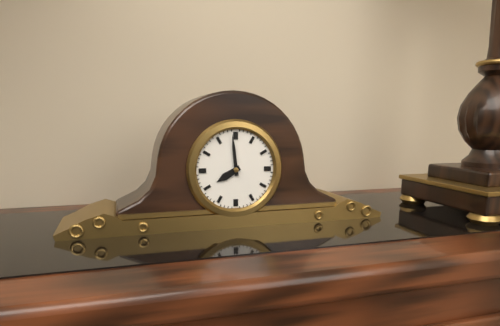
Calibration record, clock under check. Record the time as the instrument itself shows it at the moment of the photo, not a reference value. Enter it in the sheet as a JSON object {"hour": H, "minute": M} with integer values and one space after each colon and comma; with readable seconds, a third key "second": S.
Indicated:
{"hour": 7, "minute": 59}
